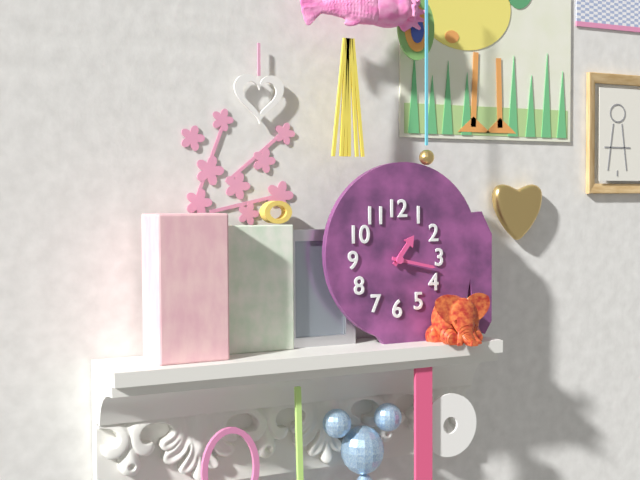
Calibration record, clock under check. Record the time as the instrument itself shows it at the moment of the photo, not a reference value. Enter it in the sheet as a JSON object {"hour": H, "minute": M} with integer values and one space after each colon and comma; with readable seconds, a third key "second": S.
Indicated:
{"hour": 1, "minute": 17}
